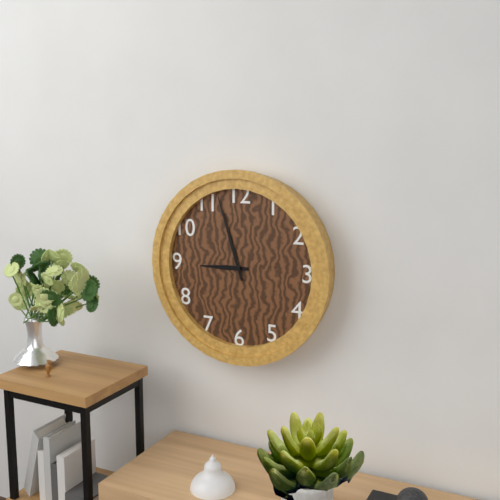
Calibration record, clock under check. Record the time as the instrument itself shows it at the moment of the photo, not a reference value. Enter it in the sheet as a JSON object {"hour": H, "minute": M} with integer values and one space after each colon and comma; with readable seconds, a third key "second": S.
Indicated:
{"hour": 8, "minute": 57}
